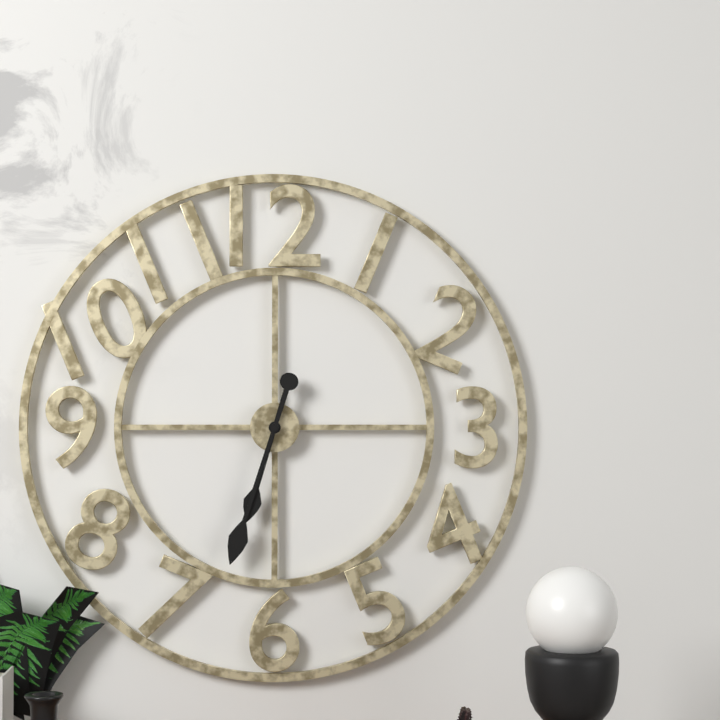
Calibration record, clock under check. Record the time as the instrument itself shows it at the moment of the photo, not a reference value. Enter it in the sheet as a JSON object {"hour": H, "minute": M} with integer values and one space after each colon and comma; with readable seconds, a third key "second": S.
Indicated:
{"hour": 6, "minute": 33}
